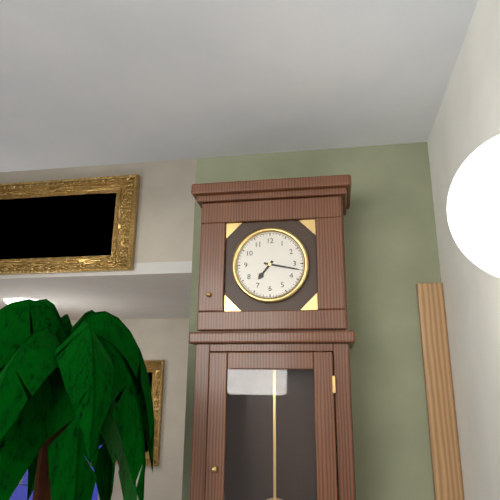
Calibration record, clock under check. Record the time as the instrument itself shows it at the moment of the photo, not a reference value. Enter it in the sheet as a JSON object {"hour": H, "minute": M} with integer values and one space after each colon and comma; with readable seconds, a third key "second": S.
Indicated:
{"hour": 7, "minute": 17}
